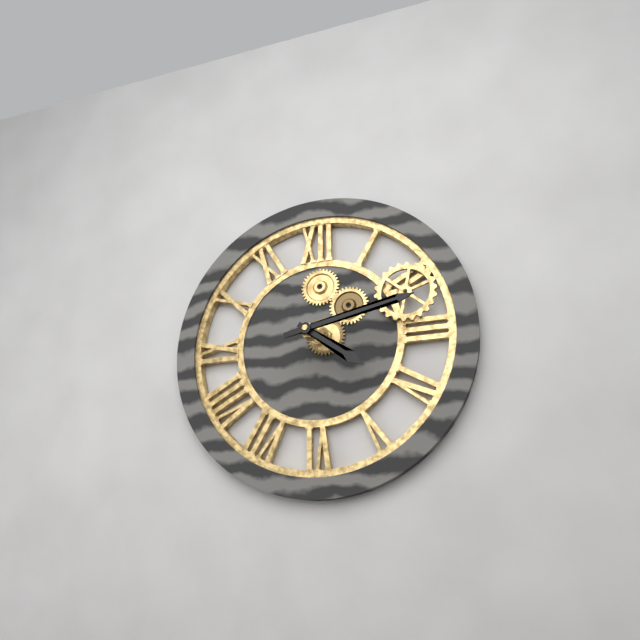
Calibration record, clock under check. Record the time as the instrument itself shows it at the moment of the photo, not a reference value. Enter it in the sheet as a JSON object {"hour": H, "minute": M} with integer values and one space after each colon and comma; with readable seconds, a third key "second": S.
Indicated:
{"hour": 4, "minute": 13}
